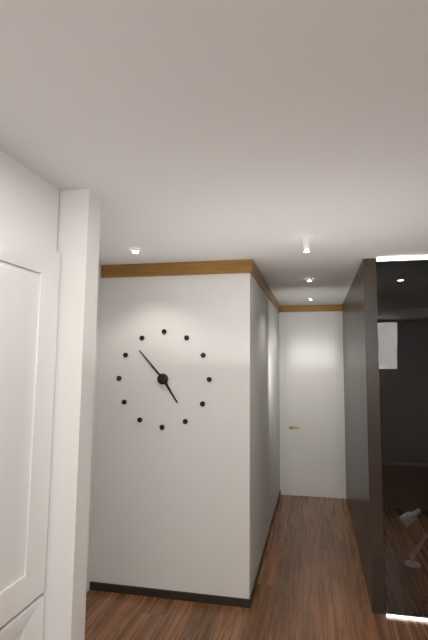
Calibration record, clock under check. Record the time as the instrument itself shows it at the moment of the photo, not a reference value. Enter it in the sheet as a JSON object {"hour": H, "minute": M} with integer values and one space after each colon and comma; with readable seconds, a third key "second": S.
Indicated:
{"hour": 4, "minute": 53}
